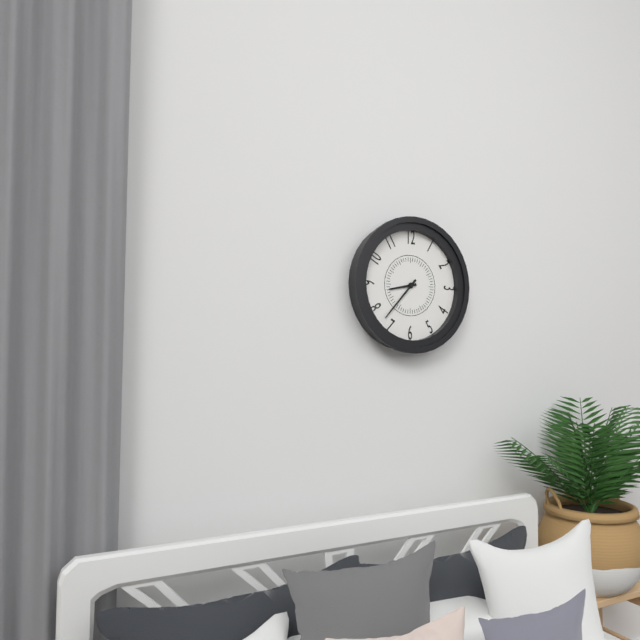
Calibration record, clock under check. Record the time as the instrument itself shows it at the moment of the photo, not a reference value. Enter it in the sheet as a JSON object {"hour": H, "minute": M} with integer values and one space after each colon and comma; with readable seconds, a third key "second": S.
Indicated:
{"hour": 8, "minute": 37}
